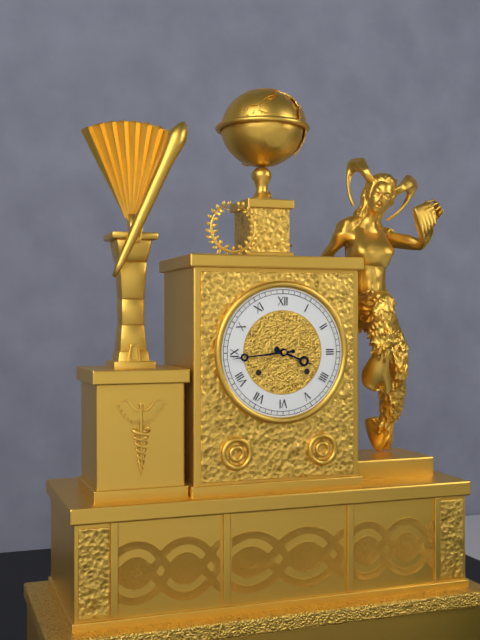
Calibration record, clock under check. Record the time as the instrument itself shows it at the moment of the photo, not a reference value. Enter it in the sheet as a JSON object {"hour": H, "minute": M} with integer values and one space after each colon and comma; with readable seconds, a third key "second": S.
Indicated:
{"hour": 3, "minute": 44}
